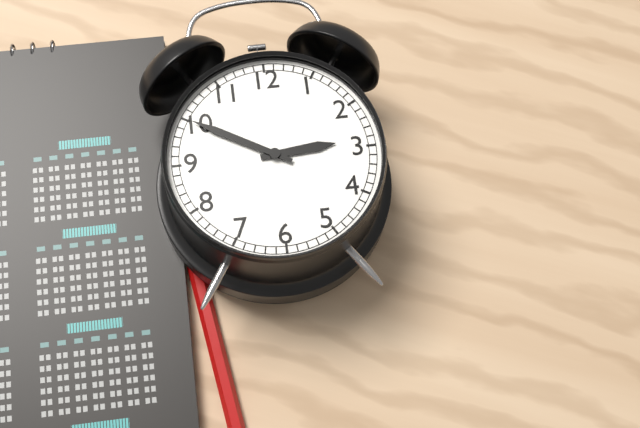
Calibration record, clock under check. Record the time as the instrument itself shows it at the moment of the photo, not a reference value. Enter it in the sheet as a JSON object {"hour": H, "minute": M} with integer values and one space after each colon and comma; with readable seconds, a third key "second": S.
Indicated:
{"hour": 2, "minute": 50}
